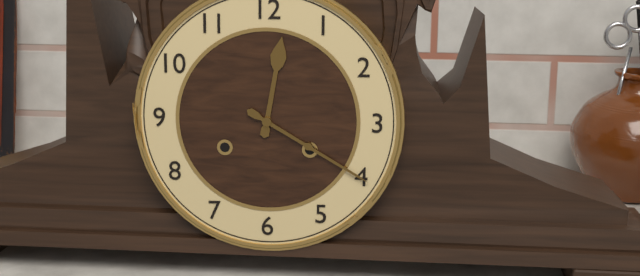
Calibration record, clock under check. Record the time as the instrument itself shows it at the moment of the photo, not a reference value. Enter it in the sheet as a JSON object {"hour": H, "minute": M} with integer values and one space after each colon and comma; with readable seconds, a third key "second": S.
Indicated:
{"hour": 12, "minute": 20}
